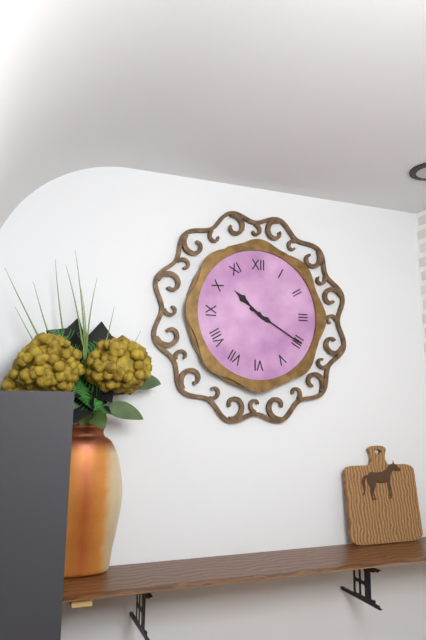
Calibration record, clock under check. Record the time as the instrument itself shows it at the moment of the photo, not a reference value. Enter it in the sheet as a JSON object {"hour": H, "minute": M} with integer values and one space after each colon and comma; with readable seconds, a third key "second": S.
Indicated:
{"hour": 10, "minute": 20}
